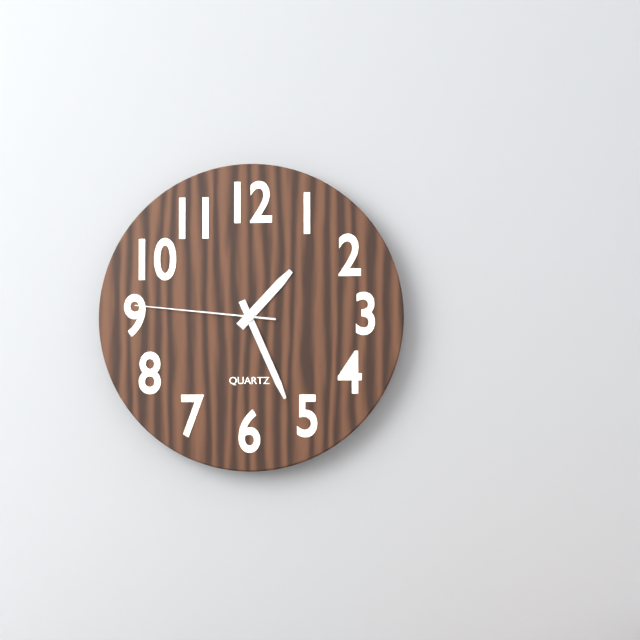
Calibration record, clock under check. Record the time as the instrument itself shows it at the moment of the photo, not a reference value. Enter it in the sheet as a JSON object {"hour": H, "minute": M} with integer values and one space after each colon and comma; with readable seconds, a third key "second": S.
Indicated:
{"hour": 1, "minute": 26, "second": 46}
